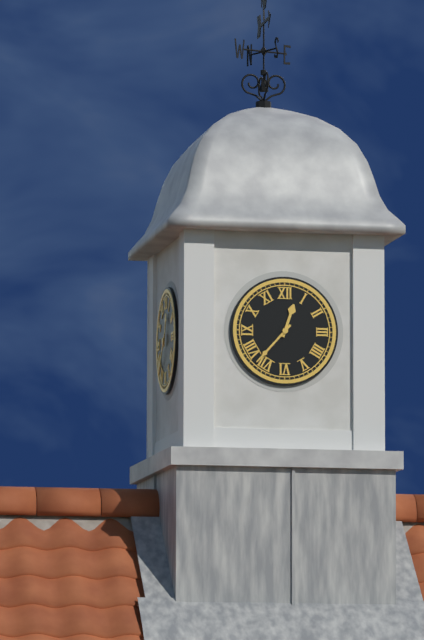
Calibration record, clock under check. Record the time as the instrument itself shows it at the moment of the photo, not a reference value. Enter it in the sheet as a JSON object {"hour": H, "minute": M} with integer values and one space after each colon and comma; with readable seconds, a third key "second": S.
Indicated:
{"hour": 12, "minute": 37}
